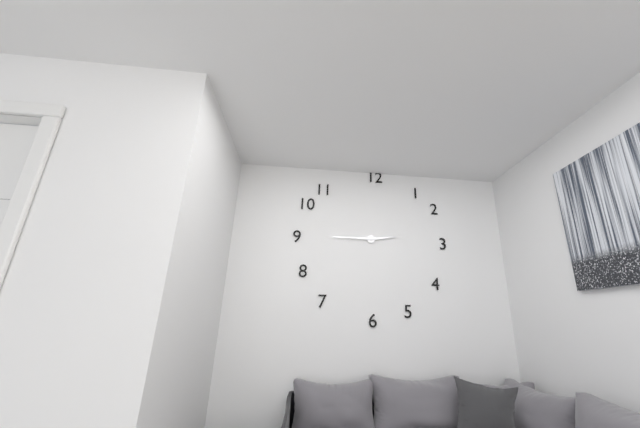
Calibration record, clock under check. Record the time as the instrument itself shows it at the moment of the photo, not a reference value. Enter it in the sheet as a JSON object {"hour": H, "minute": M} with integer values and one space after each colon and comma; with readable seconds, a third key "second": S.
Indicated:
{"hour": 2, "minute": 45}
